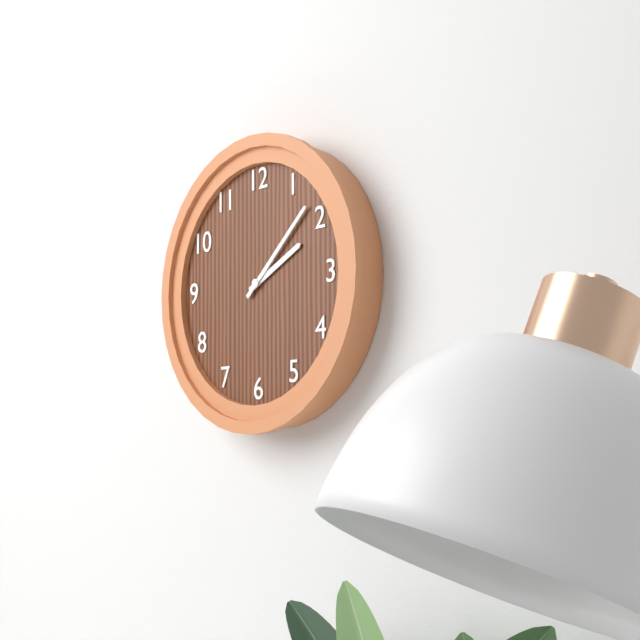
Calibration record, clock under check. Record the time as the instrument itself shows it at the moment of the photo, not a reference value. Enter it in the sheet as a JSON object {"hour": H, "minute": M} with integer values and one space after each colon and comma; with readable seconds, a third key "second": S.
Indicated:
{"hour": 2, "minute": 8}
